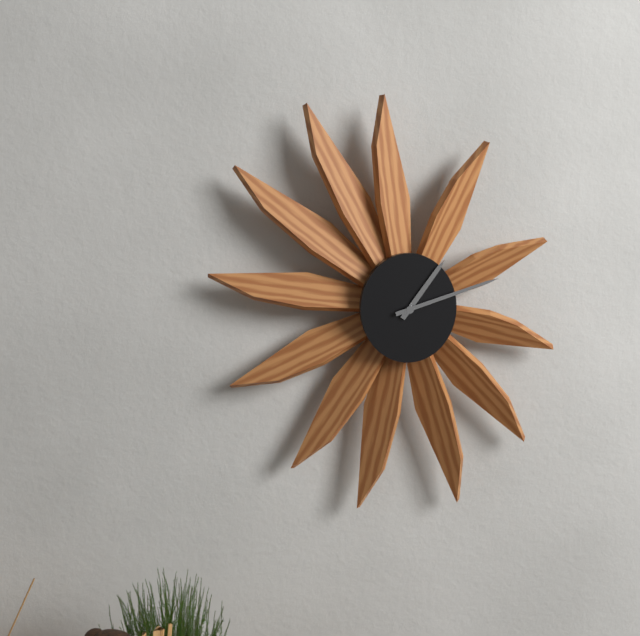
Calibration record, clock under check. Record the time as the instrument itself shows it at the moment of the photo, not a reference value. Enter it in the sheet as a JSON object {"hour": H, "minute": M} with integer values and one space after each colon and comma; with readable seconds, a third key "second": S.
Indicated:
{"hour": 1, "minute": 12}
